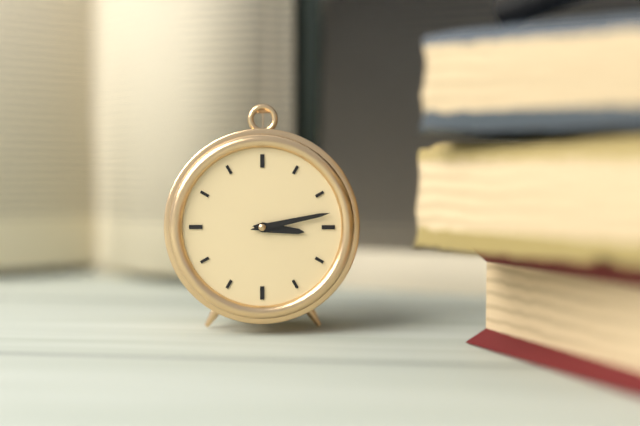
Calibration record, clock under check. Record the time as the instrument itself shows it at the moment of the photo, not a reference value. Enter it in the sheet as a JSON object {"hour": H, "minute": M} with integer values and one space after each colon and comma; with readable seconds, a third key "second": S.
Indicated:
{"hour": 3, "minute": 13}
